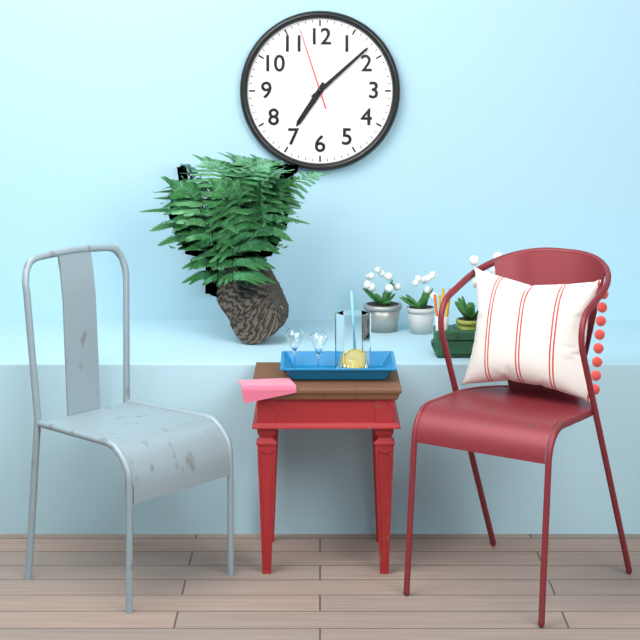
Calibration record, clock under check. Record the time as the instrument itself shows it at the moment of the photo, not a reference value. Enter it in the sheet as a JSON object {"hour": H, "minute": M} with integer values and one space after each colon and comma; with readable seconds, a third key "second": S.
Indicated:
{"hour": 7, "minute": 8, "second": 57}
